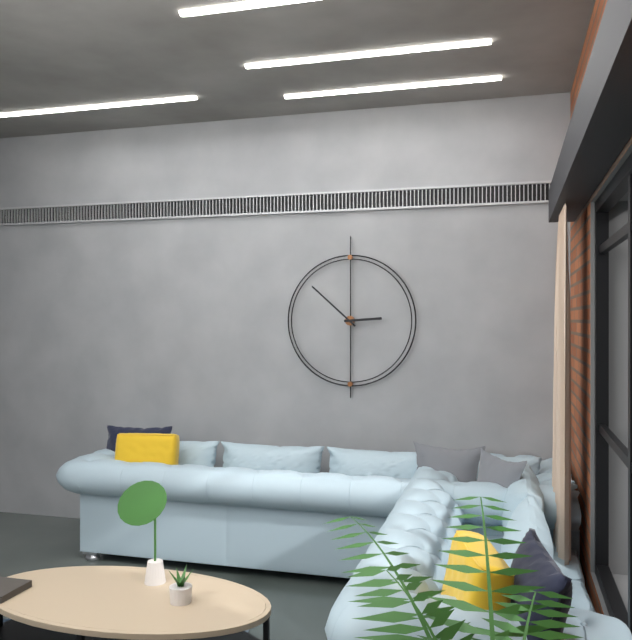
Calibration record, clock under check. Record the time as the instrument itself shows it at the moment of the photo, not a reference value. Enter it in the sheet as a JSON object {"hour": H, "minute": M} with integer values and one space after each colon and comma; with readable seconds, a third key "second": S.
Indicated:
{"hour": 2, "minute": 52}
